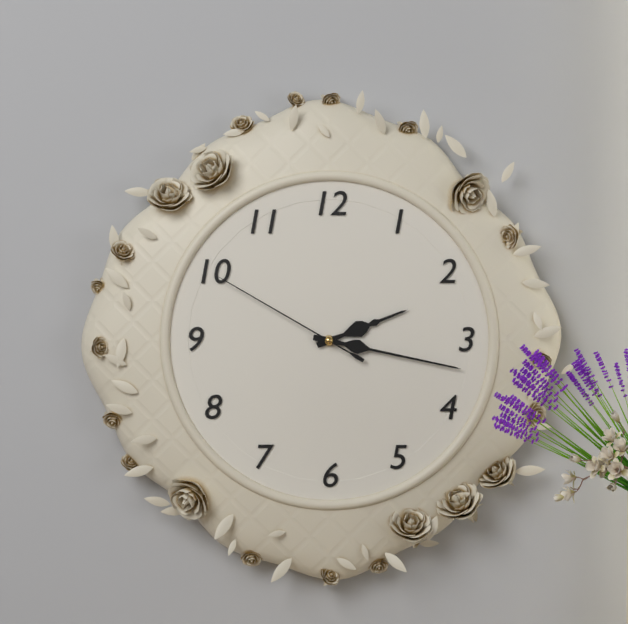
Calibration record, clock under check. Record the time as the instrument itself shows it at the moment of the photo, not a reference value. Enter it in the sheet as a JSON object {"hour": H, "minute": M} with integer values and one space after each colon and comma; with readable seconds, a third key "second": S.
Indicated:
{"hour": 2, "minute": 17, "second": 50}
